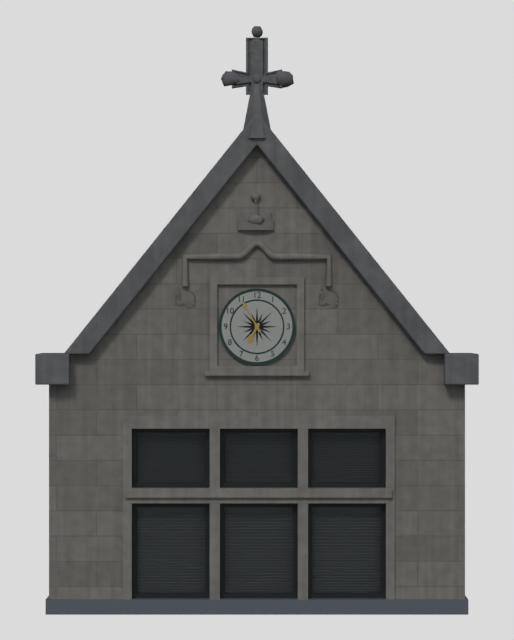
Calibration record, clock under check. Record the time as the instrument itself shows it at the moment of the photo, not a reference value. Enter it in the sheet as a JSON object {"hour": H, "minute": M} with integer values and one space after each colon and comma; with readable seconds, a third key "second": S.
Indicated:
{"hour": 6, "minute": 55}
